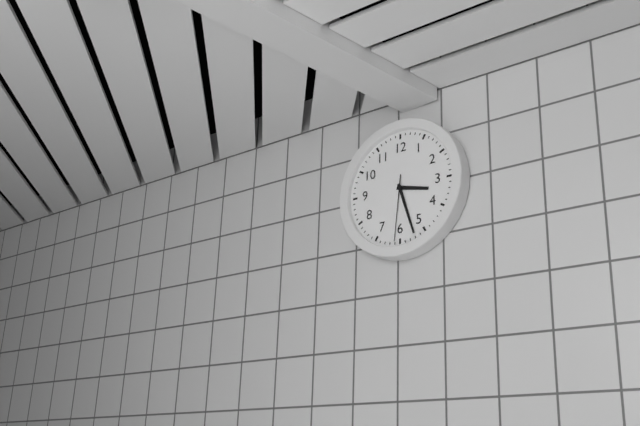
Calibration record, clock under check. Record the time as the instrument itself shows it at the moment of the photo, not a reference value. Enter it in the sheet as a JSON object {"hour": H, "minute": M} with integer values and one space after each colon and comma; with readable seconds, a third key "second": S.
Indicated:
{"hour": 3, "minute": 27, "second": 31}
